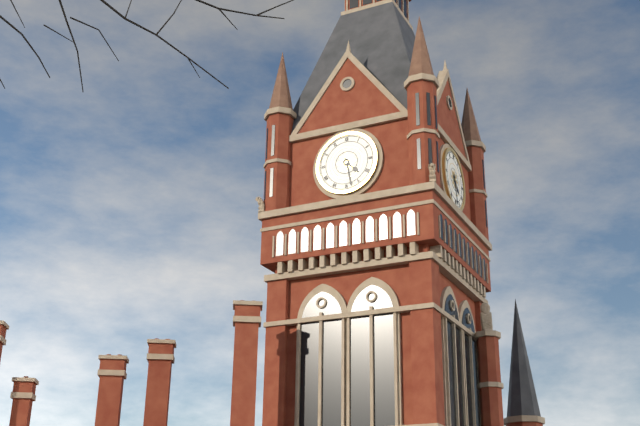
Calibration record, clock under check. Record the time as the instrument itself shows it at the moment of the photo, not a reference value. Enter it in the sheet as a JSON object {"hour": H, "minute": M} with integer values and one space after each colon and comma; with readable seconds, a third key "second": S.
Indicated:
{"hour": 4, "minute": 28}
